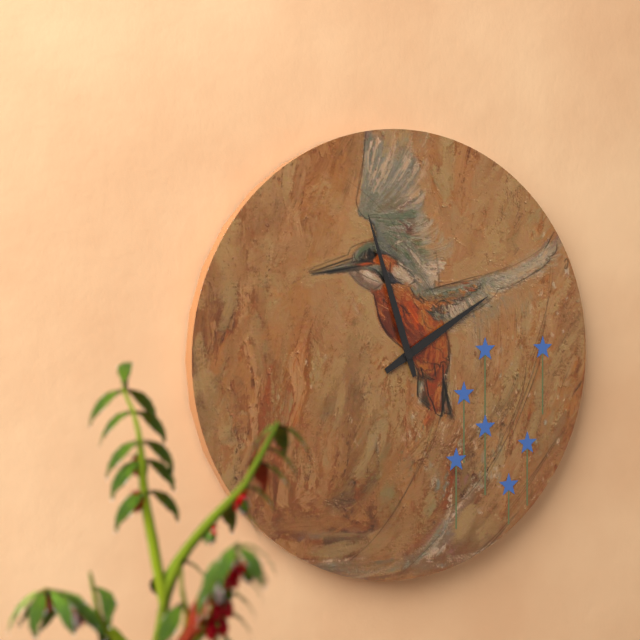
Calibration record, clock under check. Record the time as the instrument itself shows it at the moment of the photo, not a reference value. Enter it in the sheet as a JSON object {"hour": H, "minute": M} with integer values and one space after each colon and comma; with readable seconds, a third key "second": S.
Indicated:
{"hour": 1, "minute": 57}
